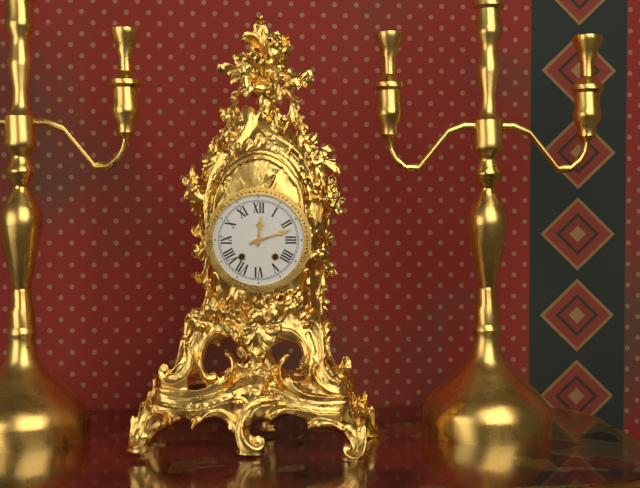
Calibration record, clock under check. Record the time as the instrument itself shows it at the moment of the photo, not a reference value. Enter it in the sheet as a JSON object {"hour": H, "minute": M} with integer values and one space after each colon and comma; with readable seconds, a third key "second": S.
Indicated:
{"hour": 12, "minute": 12}
